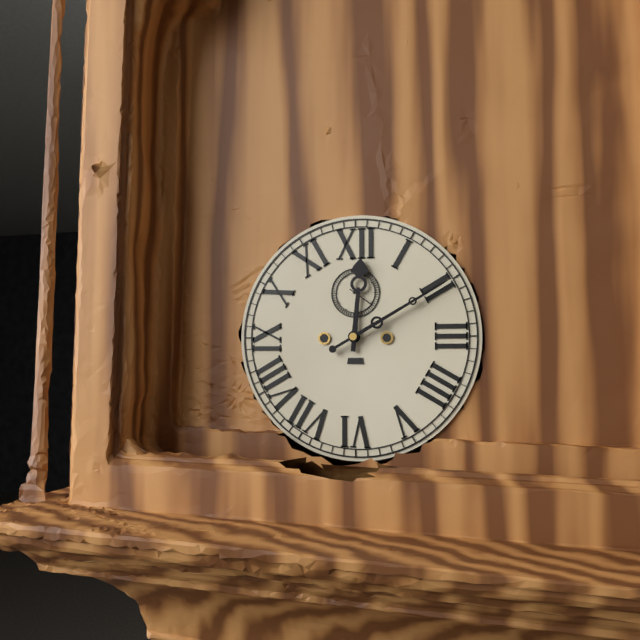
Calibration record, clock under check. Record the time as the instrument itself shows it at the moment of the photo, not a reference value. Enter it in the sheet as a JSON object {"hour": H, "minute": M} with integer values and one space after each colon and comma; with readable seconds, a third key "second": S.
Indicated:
{"hour": 12, "minute": 10}
